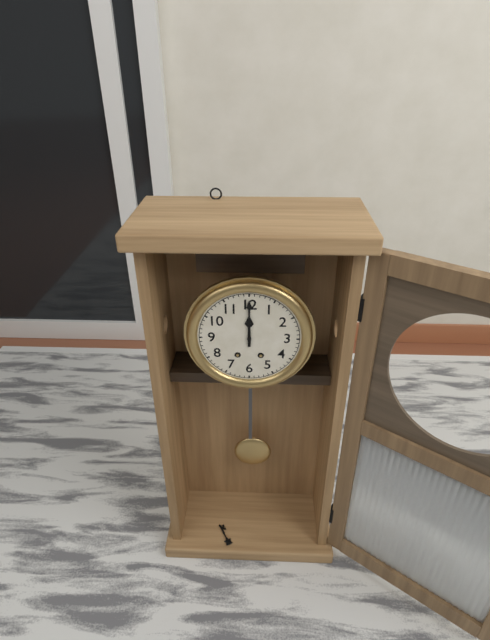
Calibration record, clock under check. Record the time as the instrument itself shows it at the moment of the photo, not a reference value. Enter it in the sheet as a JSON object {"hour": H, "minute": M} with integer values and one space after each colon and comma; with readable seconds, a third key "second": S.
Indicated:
{"hour": 12, "minute": 0}
